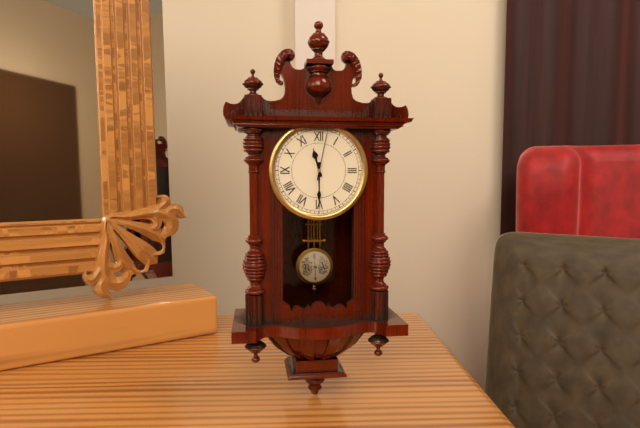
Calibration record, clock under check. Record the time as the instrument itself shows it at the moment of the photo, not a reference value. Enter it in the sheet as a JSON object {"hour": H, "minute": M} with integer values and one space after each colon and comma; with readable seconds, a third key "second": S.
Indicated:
{"hour": 11, "minute": 30, "second": 2}
